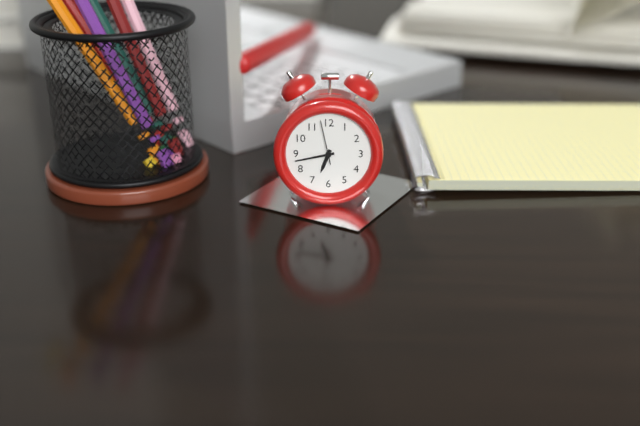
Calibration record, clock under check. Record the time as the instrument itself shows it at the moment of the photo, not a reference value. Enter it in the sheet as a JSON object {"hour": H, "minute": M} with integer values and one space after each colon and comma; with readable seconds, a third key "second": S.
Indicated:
{"hour": 6, "minute": 43}
